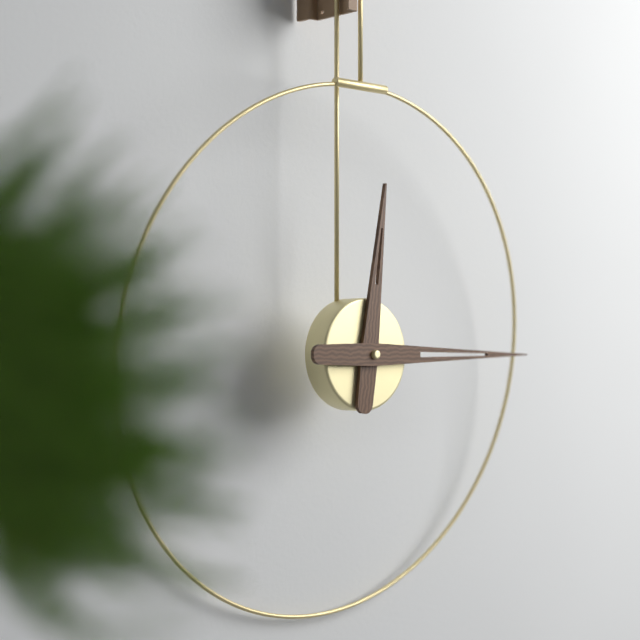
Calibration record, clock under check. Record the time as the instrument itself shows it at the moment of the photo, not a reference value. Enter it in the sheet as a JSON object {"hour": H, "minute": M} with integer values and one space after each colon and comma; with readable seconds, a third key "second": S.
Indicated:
{"hour": 12, "minute": 15}
